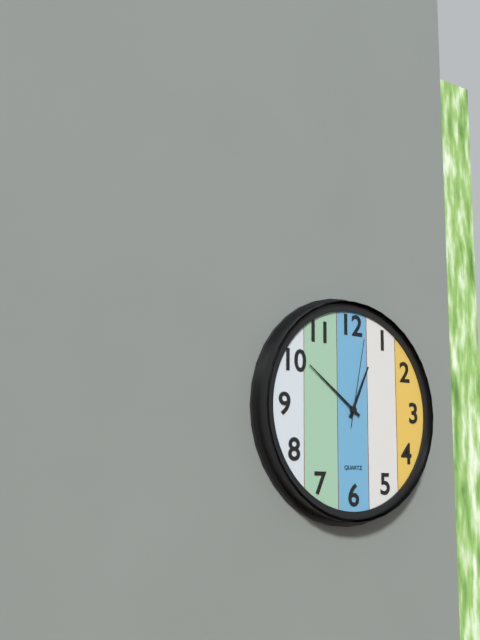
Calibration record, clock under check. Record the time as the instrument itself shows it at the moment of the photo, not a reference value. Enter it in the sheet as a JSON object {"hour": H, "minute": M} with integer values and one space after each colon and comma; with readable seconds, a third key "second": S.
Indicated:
{"hour": 12, "minute": 51, "second": 2}
